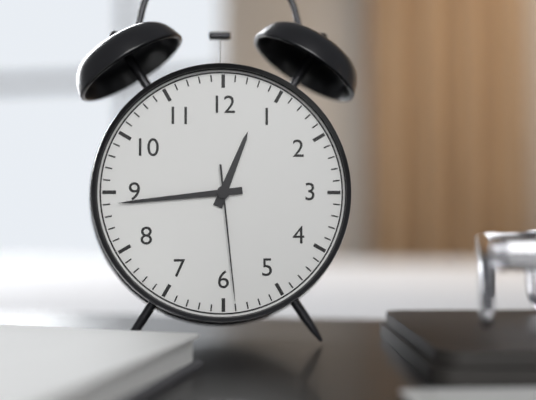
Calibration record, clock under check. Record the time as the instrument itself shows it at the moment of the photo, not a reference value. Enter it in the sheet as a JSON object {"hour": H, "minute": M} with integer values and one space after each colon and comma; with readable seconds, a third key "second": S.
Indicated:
{"hour": 12, "minute": 44, "second": 29}
